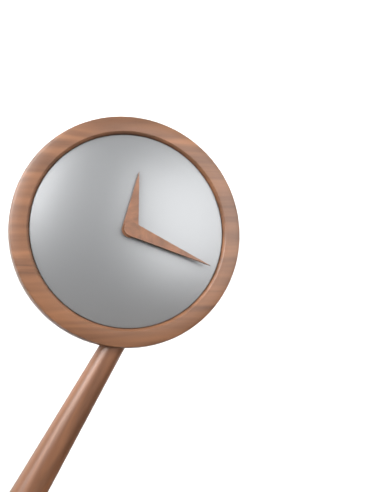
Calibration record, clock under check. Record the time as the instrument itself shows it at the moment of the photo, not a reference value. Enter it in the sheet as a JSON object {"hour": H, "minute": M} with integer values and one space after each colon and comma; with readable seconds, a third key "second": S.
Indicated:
{"hour": 12, "minute": 19}
